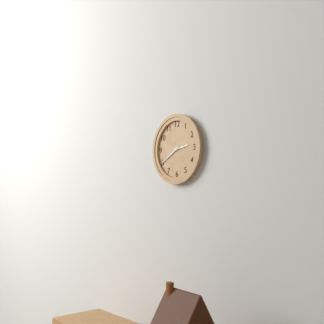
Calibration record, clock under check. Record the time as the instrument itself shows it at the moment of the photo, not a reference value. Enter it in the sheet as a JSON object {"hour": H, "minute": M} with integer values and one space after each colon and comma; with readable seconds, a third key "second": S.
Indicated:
{"hour": 2, "minute": 40}
